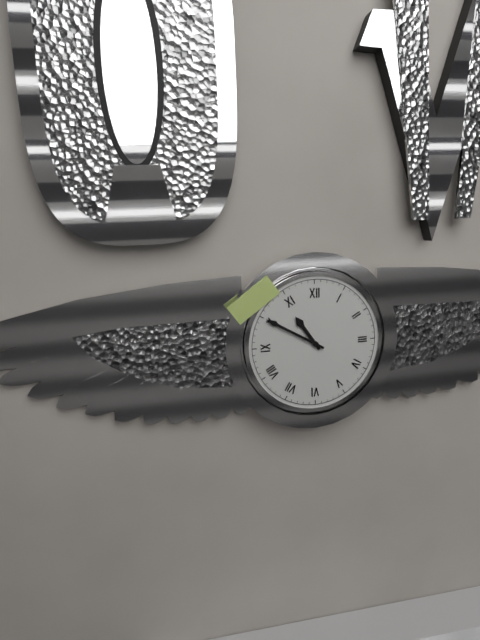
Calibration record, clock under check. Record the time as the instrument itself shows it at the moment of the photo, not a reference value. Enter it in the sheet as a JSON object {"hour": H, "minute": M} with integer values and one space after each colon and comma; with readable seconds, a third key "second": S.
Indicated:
{"hour": 10, "minute": 50}
